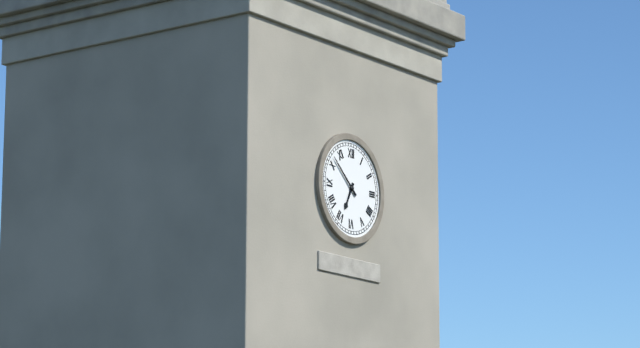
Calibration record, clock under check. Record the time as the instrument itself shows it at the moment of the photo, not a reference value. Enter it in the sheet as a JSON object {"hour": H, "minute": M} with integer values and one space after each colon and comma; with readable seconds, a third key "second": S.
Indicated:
{"hour": 6, "minute": 52}
